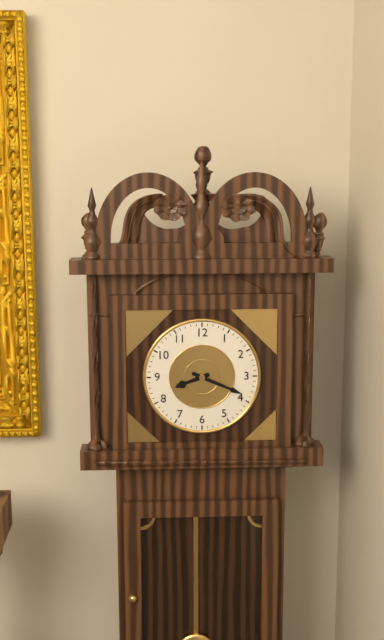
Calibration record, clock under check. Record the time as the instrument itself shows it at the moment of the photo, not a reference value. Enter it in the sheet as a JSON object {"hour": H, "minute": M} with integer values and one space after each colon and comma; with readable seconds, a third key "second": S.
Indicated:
{"hour": 8, "minute": 19}
